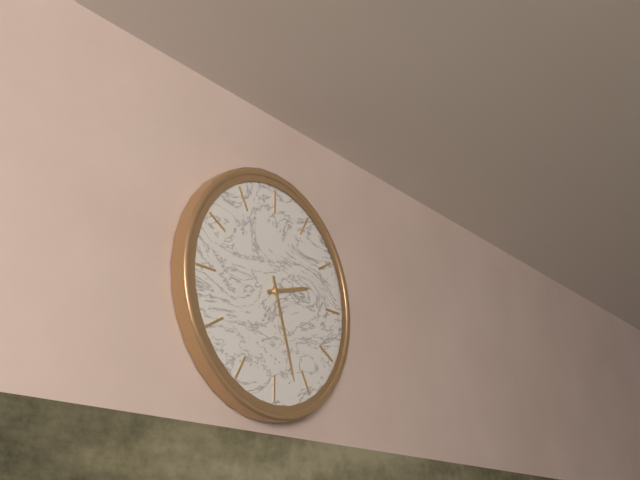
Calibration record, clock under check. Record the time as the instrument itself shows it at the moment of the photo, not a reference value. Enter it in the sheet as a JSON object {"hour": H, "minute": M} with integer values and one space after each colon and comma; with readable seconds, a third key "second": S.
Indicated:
{"hour": 2, "minute": 27}
